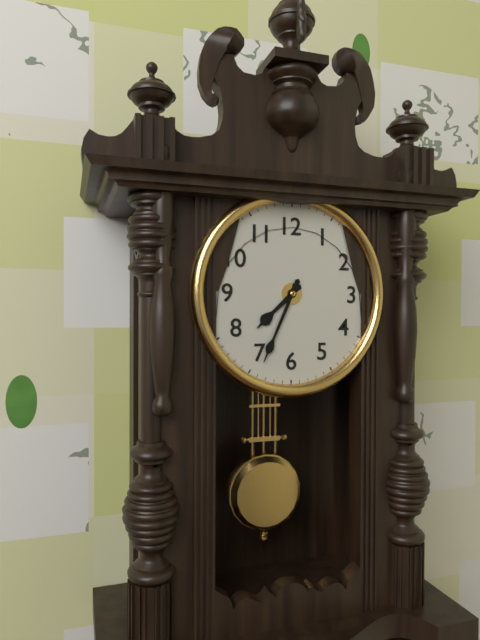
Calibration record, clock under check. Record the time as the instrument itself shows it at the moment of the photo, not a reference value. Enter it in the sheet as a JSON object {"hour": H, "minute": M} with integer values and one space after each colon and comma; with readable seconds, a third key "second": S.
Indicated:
{"hour": 7, "minute": 34}
